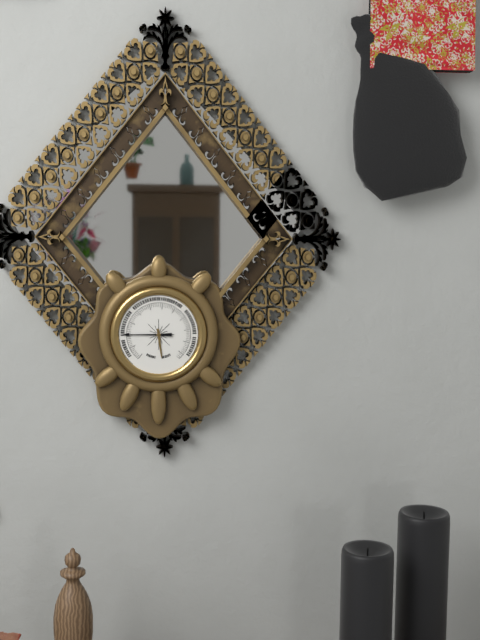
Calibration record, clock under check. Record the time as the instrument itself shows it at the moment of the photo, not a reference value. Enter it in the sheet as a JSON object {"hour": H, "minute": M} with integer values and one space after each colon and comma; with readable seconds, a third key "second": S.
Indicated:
{"hour": 5, "minute": 45}
